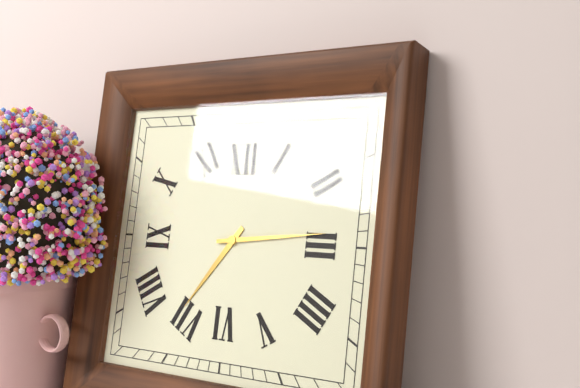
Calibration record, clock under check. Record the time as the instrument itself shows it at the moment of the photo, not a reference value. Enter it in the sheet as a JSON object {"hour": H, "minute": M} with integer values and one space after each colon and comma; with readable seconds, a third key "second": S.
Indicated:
{"hour": 7, "minute": 14}
